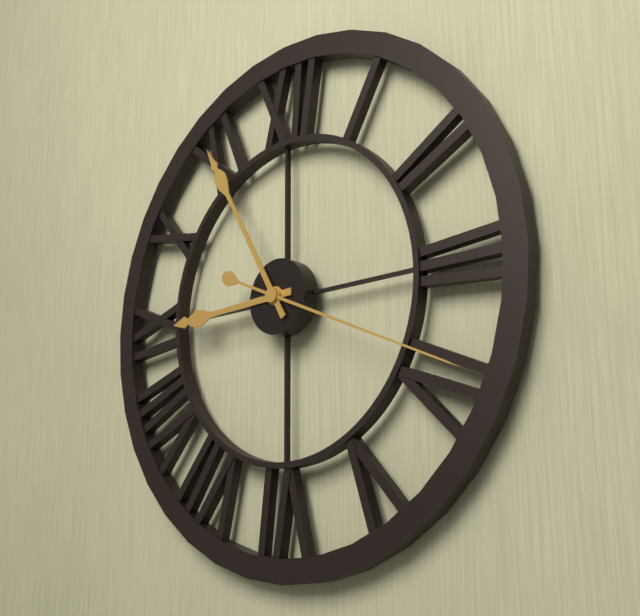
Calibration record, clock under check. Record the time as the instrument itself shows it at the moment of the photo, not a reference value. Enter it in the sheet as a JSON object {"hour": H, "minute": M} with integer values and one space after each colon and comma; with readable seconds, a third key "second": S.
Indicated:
{"hour": 8, "minute": 55, "second": 19}
